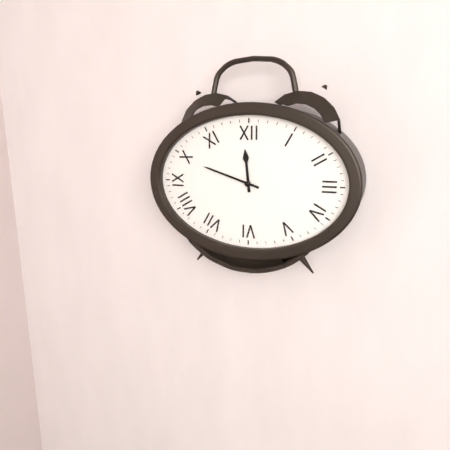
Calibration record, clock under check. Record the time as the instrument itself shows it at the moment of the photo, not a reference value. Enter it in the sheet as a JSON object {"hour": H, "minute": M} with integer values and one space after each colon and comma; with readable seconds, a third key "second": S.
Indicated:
{"hour": 11, "minute": 48}
